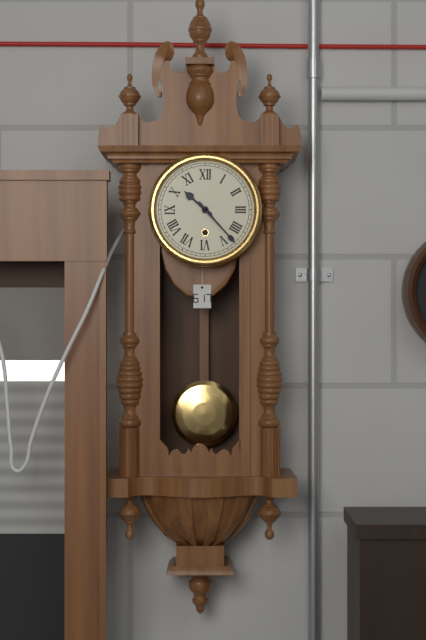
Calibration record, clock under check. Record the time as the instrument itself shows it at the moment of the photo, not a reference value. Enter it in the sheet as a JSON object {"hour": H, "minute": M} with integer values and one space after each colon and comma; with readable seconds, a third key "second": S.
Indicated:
{"hour": 10, "minute": 23}
